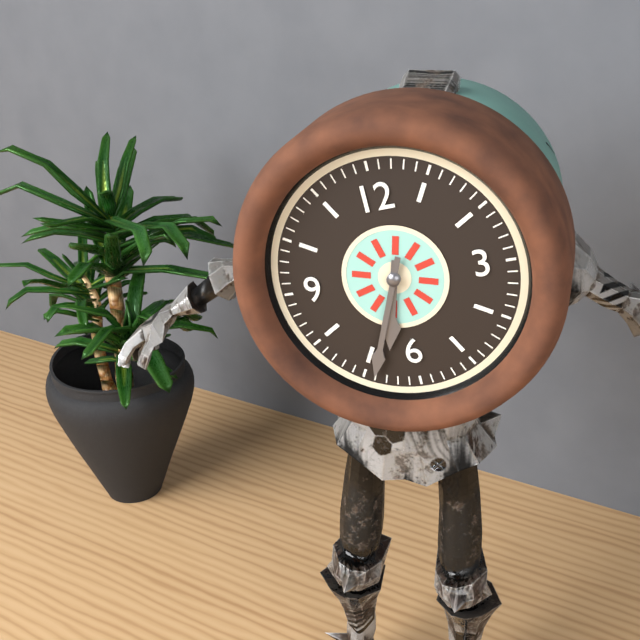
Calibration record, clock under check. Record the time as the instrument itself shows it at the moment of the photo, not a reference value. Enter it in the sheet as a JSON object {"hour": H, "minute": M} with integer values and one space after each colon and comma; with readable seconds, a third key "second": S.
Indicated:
{"hour": 6, "minute": 34}
